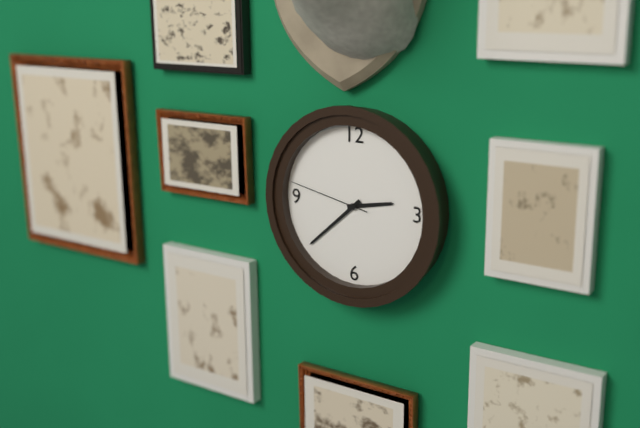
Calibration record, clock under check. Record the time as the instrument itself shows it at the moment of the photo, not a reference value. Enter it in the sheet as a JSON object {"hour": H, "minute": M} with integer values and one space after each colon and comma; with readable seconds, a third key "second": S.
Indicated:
{"hour": 2, "minute": 38, "second": 47}
